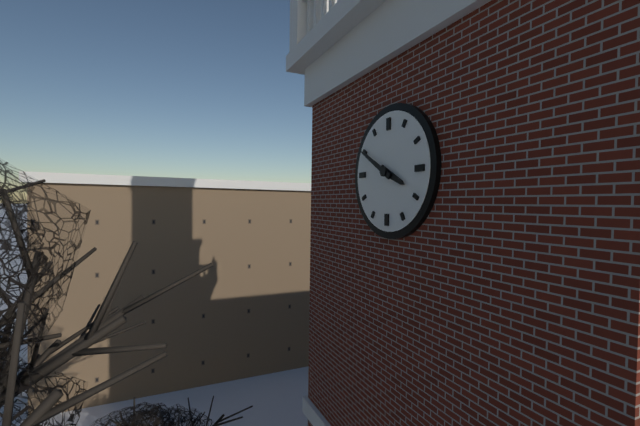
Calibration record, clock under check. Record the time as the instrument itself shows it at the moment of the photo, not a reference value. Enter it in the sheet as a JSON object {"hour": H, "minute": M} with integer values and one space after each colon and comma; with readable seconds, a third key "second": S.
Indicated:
{"hour": 3, "minute": 50}
